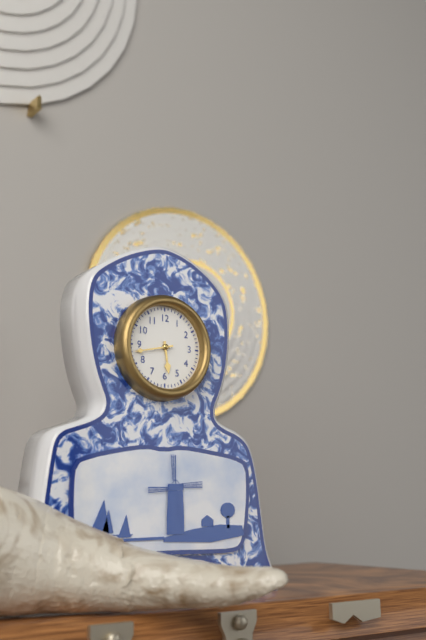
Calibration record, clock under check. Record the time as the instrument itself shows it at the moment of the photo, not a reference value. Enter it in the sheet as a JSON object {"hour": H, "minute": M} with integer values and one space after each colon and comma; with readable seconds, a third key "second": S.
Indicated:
{"hour": 5, "minute": 43}
